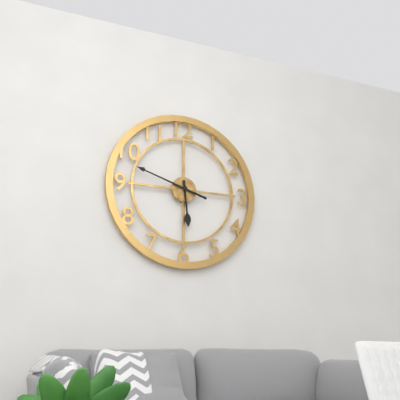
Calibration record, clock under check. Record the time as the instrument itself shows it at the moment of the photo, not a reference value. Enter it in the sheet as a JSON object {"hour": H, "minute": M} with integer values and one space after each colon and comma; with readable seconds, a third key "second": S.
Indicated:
{"hour": 5, "minute": 48}
